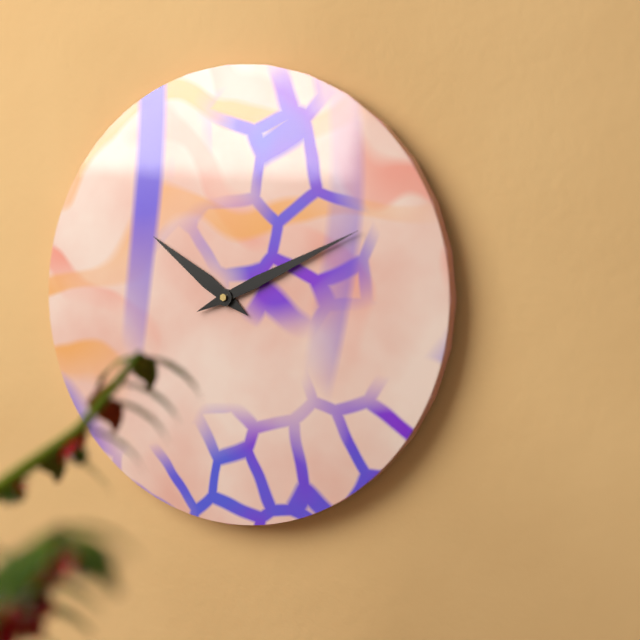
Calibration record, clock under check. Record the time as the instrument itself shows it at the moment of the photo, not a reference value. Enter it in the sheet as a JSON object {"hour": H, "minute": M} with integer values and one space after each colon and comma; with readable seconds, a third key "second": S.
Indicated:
{"hour": 10, "minute": 11}
